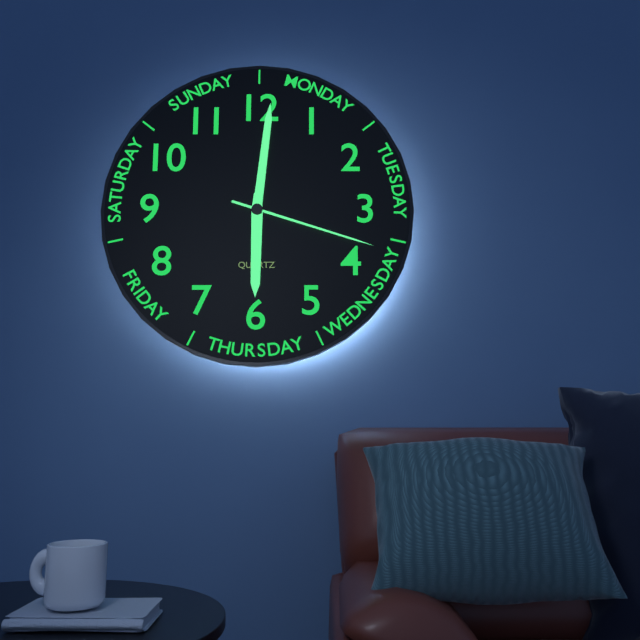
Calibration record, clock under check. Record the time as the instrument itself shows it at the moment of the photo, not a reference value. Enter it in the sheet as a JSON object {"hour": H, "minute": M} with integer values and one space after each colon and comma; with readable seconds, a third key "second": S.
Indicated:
{"hour": 6, "minute": 1, "second": 18}
